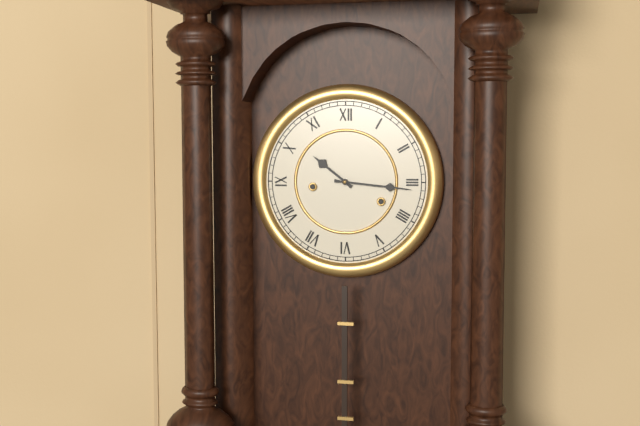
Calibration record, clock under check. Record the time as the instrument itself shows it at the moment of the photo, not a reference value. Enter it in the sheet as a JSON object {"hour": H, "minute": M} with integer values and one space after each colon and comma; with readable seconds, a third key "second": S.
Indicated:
{"hour": 10, "minute": 16}
